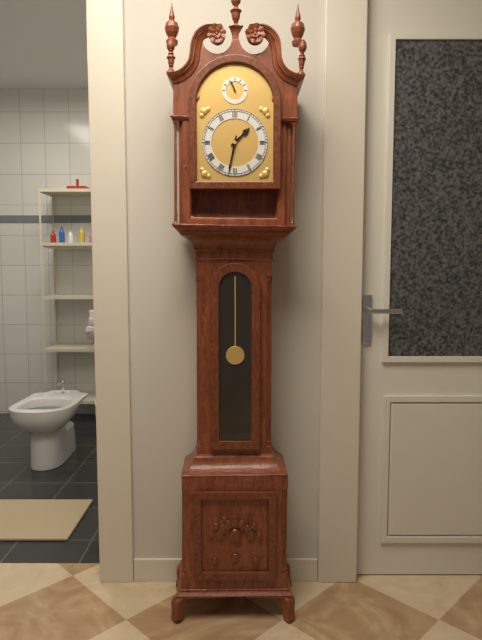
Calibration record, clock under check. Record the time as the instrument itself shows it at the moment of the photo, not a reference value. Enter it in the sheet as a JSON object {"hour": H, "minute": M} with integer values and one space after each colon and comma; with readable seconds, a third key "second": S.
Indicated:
{"hour": 1, "minute": 32}
